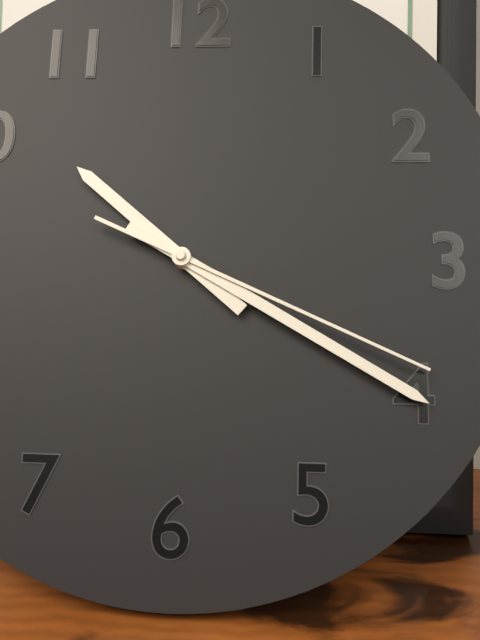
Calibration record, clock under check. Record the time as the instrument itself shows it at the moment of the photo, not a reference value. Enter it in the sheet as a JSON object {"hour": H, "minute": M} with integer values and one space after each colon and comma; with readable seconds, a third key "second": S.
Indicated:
{"hour": 10, "minute": 20, "second": 19}
